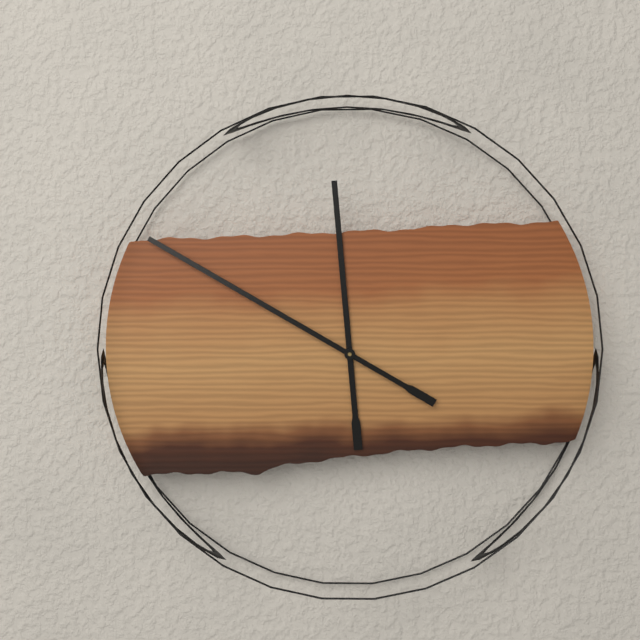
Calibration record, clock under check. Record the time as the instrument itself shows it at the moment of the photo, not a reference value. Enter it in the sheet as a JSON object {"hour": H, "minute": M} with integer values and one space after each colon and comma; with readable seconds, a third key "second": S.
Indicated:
{"hour": 11, "minute": 50}
